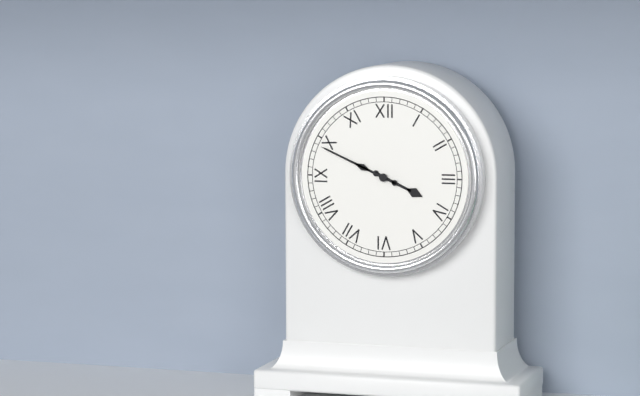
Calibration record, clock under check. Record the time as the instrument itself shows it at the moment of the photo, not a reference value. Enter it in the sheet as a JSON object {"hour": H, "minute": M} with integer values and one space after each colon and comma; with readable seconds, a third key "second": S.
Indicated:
{"hour": 3, "minute": 49}
